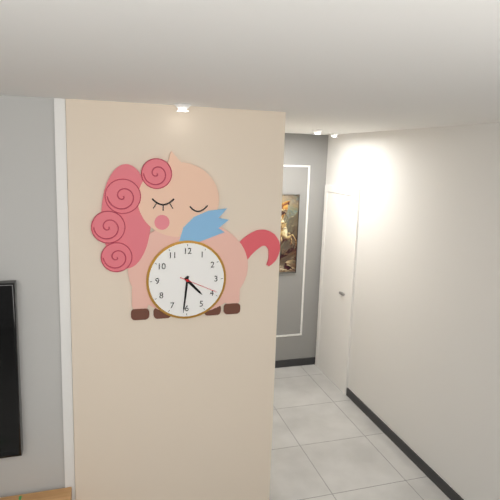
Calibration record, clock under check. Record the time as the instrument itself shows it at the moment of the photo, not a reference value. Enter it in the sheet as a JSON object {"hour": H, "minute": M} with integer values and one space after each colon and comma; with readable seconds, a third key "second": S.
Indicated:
{"hour": 4, "minute": 31}
